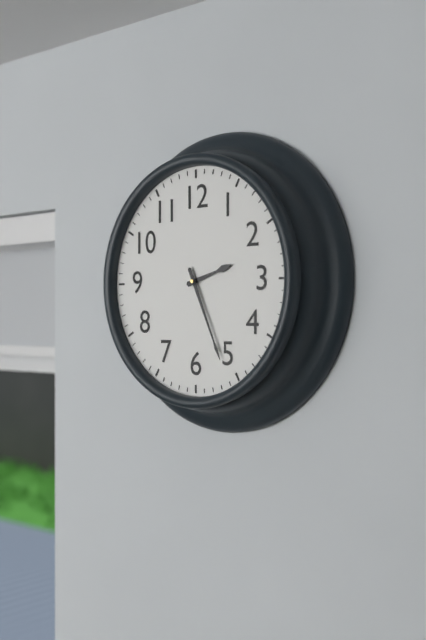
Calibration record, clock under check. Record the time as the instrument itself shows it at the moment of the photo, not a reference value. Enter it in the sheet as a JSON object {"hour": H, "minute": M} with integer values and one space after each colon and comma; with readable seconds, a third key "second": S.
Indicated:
{"hour": 2, "minute": 26}
